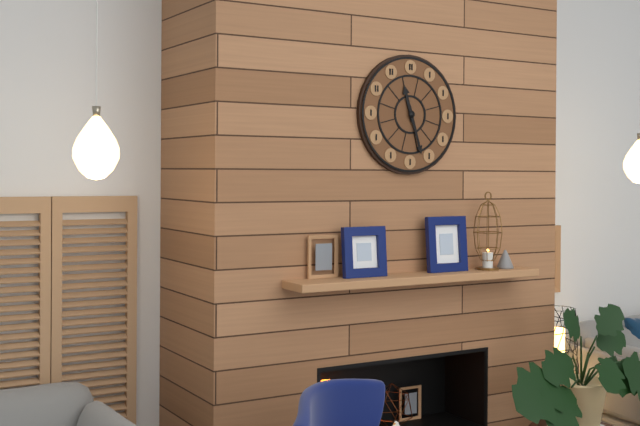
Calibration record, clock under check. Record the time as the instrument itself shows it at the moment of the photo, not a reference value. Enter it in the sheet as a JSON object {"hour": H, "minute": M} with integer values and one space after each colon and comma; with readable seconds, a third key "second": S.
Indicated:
{"hour": 11, "minute": 27}
